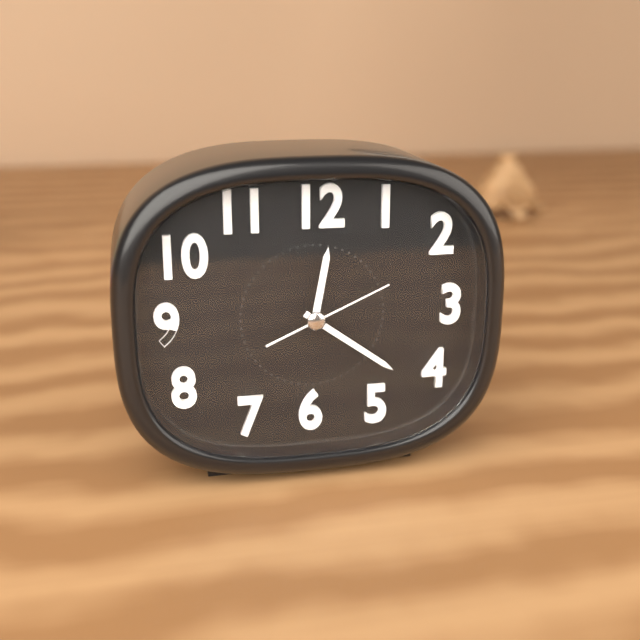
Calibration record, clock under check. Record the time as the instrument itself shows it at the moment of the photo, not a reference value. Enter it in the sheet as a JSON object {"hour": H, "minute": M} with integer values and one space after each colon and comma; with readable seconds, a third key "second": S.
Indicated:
{"hour": 12, "minute": 21, "second": 11}
